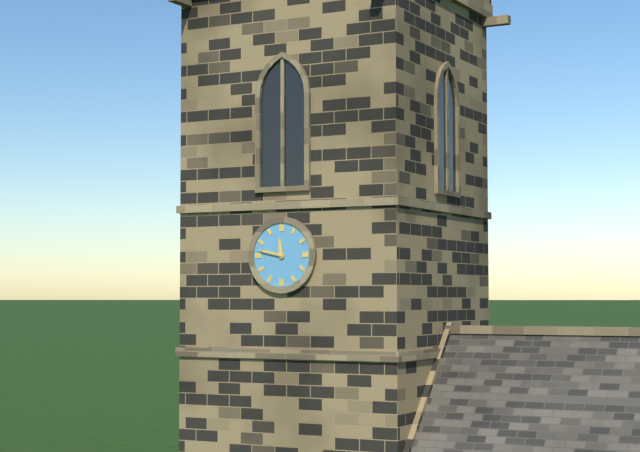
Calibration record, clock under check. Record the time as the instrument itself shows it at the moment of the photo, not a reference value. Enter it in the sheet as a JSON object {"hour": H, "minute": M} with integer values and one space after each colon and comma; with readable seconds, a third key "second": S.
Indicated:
{"hour": 11, "minute": 47}
